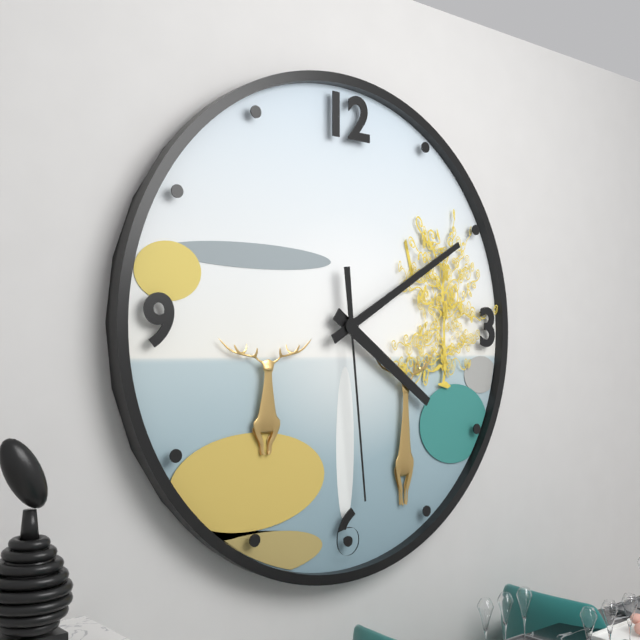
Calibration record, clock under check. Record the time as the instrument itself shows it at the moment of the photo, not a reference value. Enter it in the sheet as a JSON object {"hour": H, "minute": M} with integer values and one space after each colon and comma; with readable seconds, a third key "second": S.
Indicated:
{"hour": 4, "minute": 10, "second": 29}
